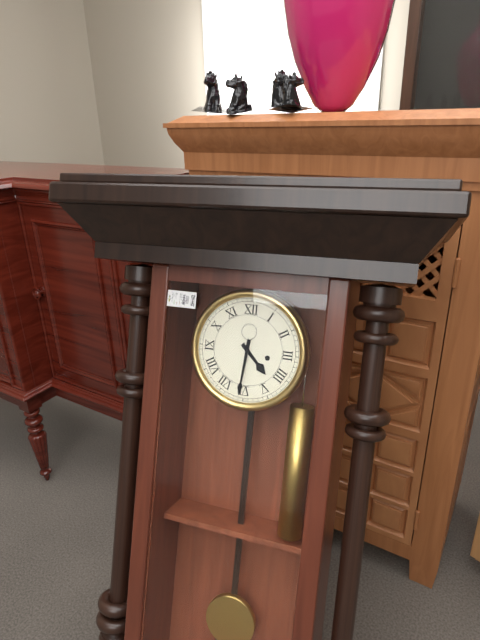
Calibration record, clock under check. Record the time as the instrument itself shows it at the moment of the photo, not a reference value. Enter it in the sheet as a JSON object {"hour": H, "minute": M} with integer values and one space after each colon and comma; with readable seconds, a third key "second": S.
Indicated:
{"hour": 4, "minute": 31}
